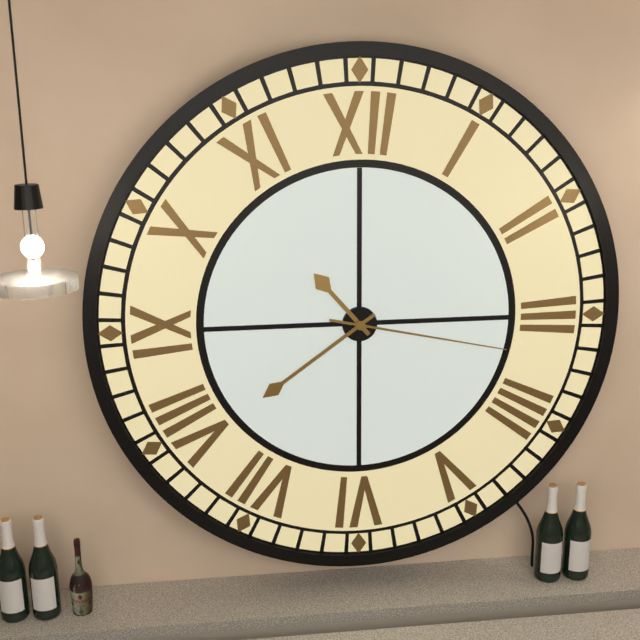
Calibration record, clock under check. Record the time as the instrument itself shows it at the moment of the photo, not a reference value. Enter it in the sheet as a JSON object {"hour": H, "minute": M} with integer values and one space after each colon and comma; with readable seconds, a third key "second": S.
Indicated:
{"hour": 10, "minute": 39, "second": 17}
